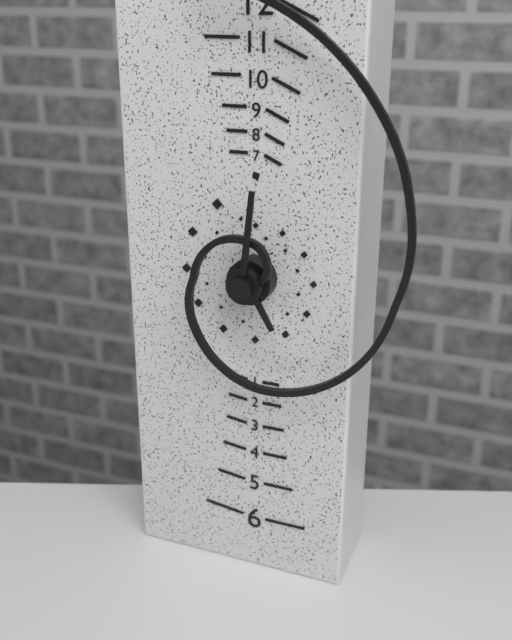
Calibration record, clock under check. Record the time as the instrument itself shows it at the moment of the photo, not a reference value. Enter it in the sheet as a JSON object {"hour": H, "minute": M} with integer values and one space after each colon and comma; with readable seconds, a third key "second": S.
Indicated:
{"hour": 5, "minute": 1}
